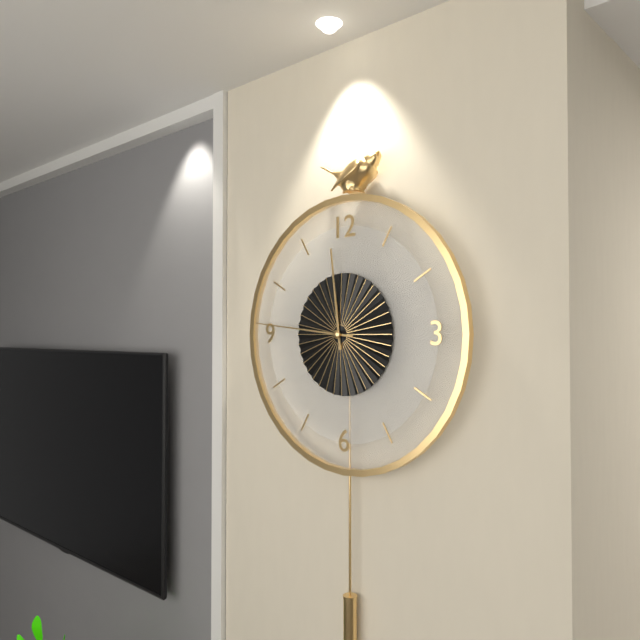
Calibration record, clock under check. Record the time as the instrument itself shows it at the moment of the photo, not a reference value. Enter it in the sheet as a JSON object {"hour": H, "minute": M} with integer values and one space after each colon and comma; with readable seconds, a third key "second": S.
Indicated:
{"hour": 11, "minute": 46}
